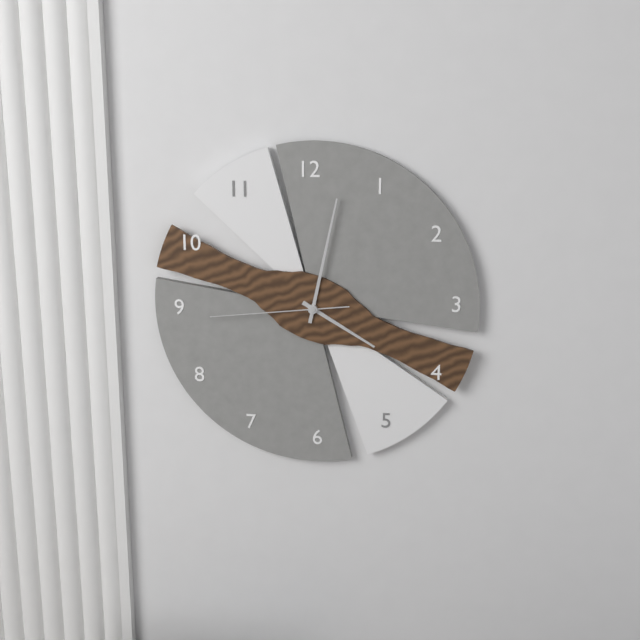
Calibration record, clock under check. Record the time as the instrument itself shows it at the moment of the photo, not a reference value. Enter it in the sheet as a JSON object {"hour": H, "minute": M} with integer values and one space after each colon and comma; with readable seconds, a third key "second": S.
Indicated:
{"hour": 4, "minute": 2, "second": 44}
